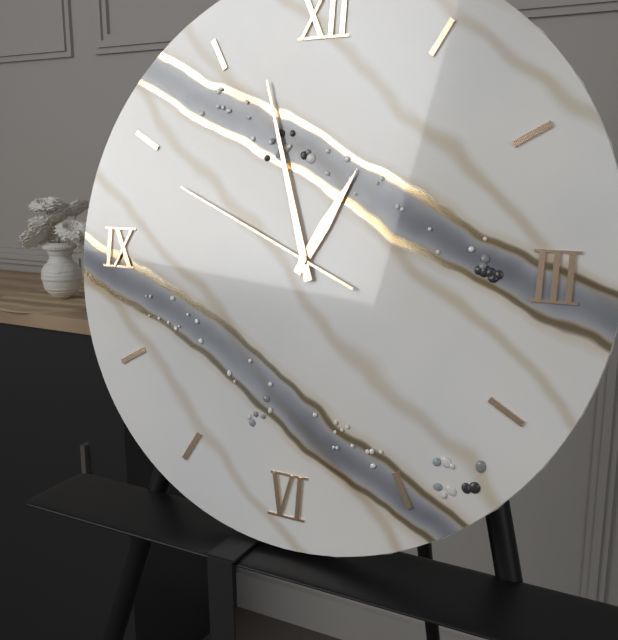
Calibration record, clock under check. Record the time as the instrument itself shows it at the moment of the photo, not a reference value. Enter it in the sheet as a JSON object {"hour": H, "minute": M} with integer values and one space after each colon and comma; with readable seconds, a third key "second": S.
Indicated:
{"hour": 12, "minute": 57, "second": 49}
